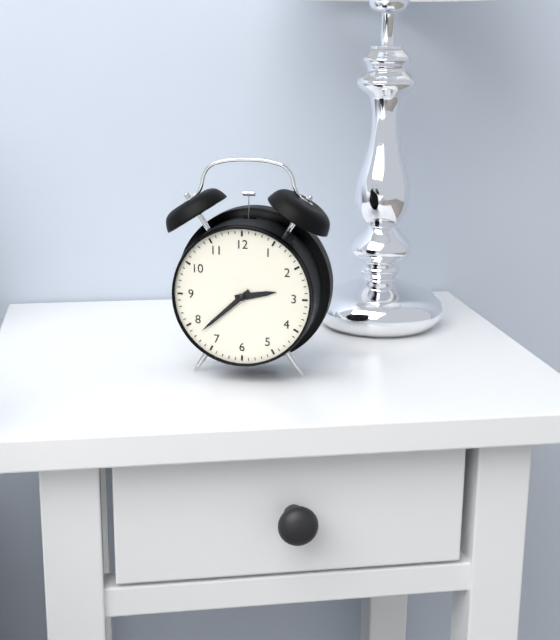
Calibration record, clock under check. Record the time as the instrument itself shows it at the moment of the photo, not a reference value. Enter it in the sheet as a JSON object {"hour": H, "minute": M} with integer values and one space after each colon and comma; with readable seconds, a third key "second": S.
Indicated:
{"hour": 2, "minute": 38}
